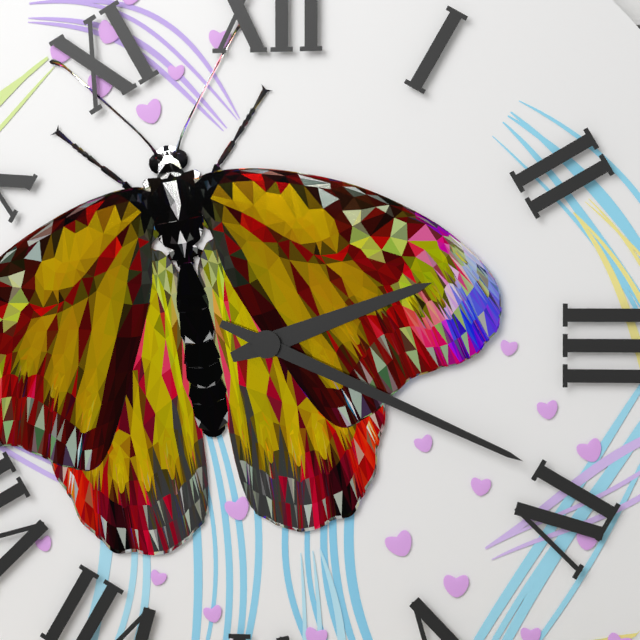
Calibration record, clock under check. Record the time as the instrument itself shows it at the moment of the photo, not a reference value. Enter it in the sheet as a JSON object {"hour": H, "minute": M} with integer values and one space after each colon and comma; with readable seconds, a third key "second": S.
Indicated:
{"hour": 2, "minute": 19}
